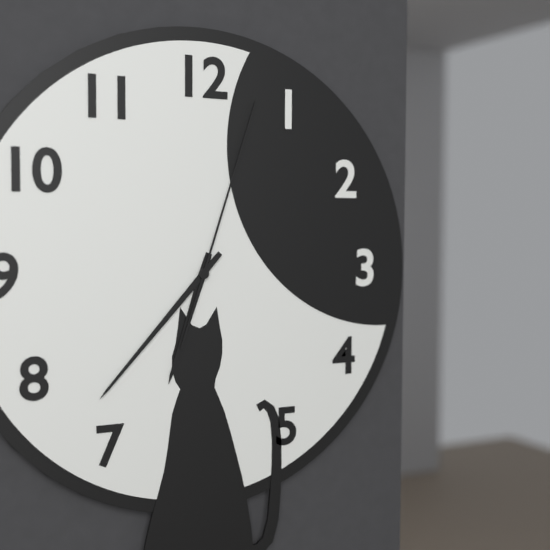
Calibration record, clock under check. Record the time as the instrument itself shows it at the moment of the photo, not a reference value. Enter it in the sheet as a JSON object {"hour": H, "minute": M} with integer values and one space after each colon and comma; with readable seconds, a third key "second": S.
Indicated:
{"hour": 6, "minute": 37, "second": 3}
